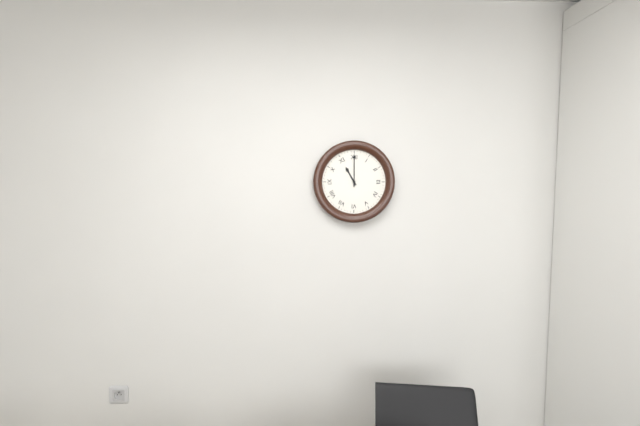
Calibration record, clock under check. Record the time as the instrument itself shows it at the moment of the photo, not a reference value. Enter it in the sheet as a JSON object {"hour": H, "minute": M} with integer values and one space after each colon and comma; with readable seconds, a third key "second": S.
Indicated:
{"hour": 11, "minute": 0}
